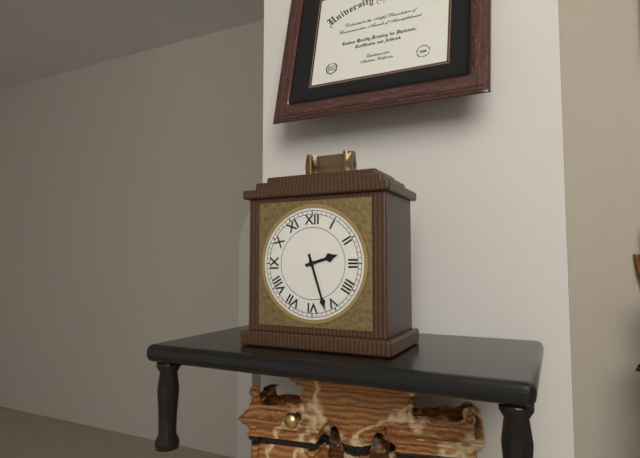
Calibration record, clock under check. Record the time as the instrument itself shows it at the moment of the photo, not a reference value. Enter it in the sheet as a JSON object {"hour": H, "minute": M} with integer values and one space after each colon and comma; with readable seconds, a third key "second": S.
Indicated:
{"hour": 2, "minute": 27}
